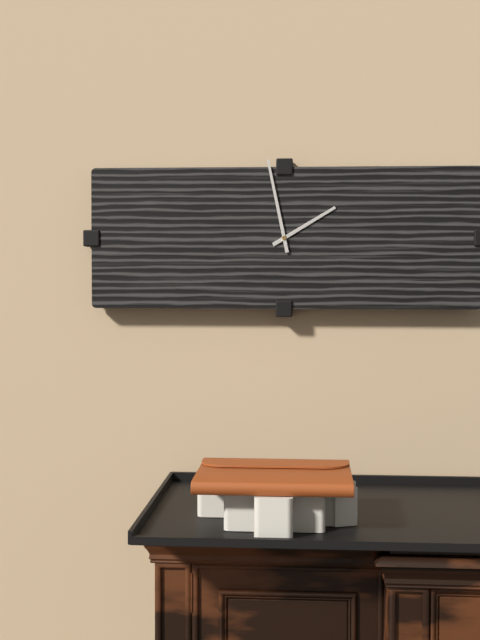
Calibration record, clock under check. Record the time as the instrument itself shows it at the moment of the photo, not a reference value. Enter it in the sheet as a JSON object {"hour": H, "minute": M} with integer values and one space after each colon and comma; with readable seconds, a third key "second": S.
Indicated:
{"hour": 1, "minute": 58}
